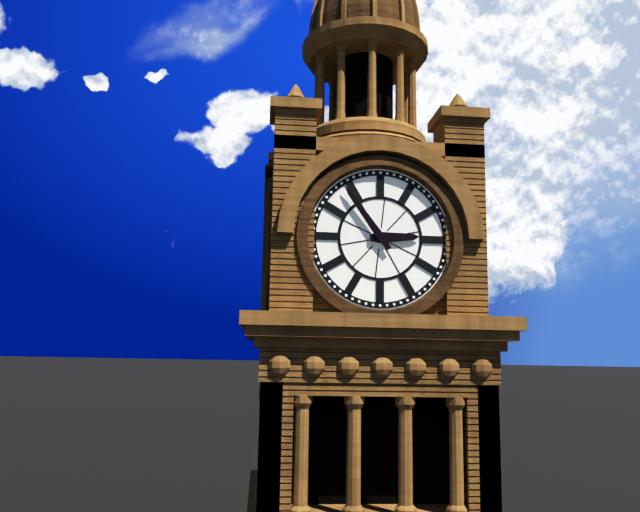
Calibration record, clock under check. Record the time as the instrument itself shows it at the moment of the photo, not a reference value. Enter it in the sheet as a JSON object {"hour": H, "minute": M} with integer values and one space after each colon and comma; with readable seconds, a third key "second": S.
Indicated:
{"hour": 2, "minute": 54}
